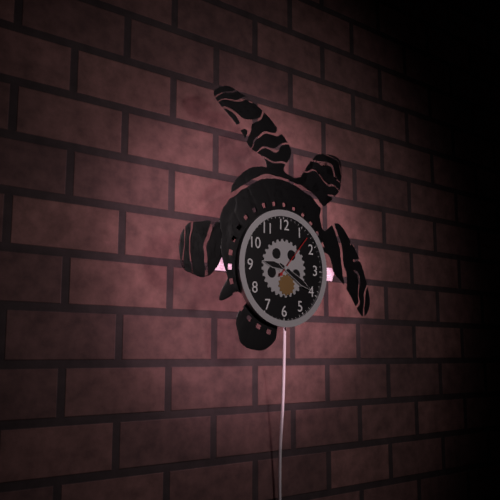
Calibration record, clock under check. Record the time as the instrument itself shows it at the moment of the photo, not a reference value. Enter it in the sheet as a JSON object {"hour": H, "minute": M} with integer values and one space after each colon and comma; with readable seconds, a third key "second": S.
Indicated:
{"hour": 9, "minute": 20, "second": 7}
